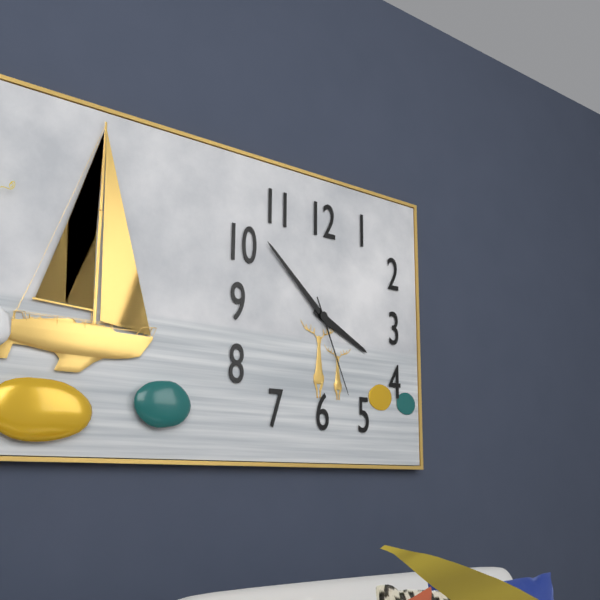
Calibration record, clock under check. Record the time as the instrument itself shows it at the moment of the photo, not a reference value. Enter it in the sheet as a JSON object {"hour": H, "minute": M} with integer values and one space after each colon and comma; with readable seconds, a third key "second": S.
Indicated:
{"hour": 3, "minute": 52, "second": 26}
